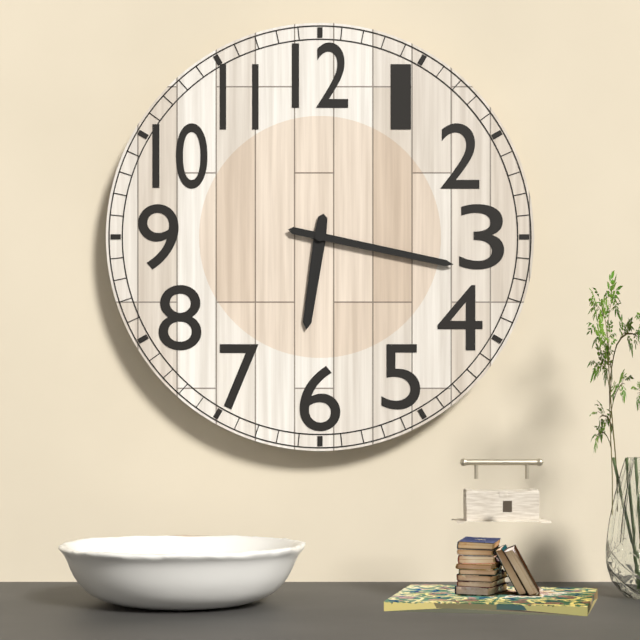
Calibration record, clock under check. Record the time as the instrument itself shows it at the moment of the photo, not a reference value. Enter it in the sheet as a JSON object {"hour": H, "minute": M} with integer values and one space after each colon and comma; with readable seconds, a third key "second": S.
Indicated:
{"hour": 6, "minute": 17}
